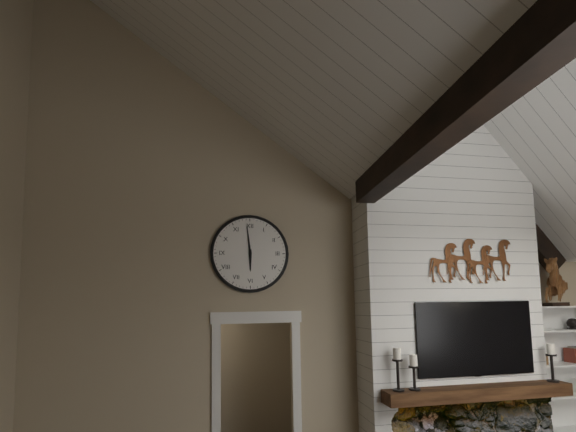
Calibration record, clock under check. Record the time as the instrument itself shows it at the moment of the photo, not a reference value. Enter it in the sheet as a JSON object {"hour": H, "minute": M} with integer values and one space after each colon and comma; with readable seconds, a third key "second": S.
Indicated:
{"hour": 5, "minute": 59}
